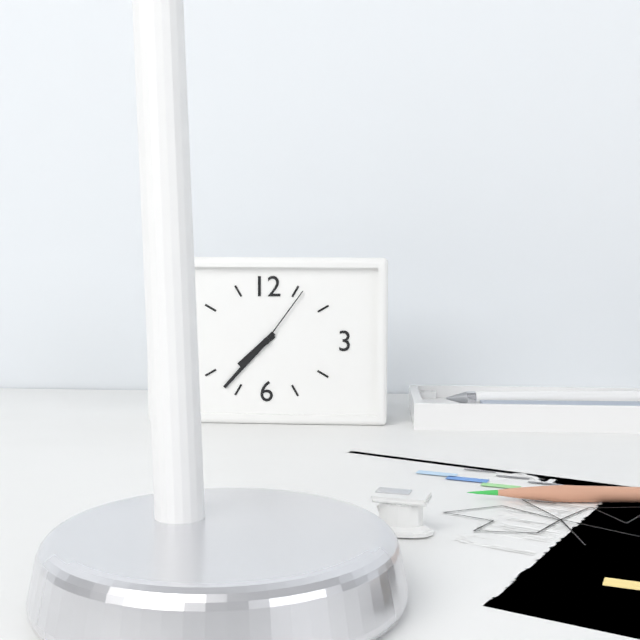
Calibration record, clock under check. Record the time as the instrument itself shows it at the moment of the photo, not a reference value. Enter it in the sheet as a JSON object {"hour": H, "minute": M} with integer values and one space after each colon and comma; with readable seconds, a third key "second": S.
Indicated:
{"hour": 7, "minute": 37, "second": 6}
